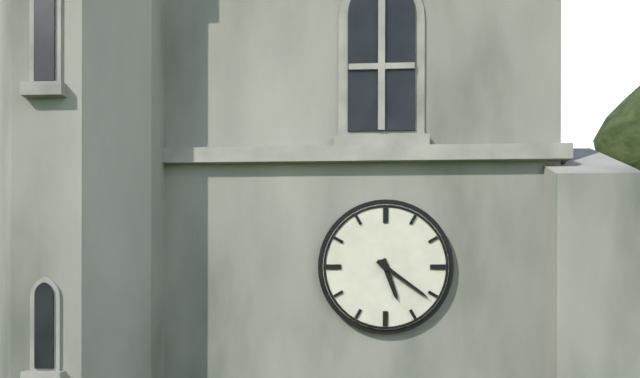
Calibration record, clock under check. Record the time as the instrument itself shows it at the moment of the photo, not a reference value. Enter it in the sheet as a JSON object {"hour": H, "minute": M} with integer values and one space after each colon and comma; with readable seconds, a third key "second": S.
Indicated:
{"hour": 5, "minute": 21}
